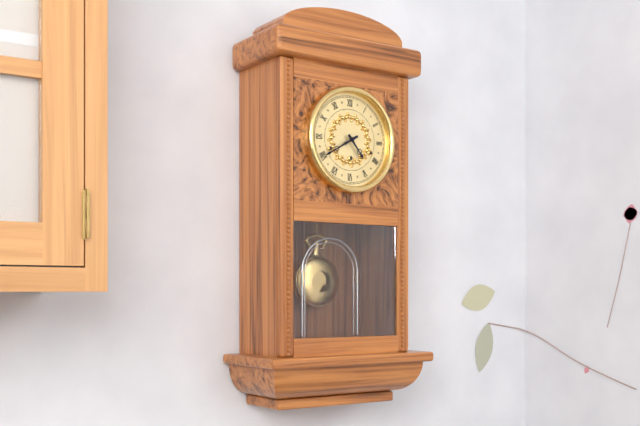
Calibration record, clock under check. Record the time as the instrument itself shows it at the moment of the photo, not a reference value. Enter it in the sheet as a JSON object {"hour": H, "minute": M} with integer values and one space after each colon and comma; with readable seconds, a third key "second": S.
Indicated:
{"hour": 4, "minute": 40}
